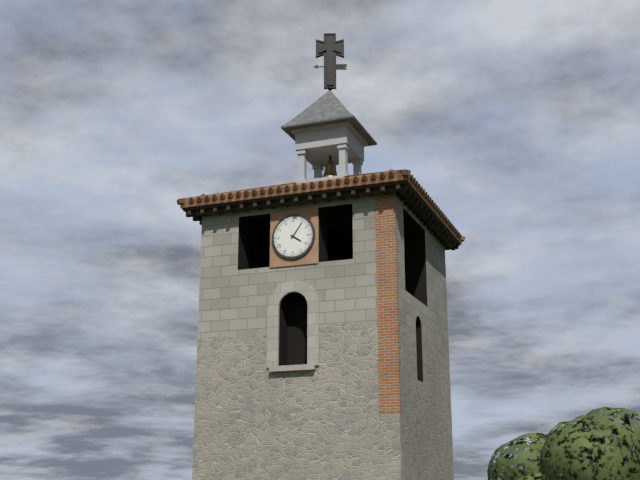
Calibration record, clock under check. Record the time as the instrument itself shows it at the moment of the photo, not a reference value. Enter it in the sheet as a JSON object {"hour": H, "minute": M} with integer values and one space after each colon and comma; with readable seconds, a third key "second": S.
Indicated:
{"hour": 4, "minute": 6}
